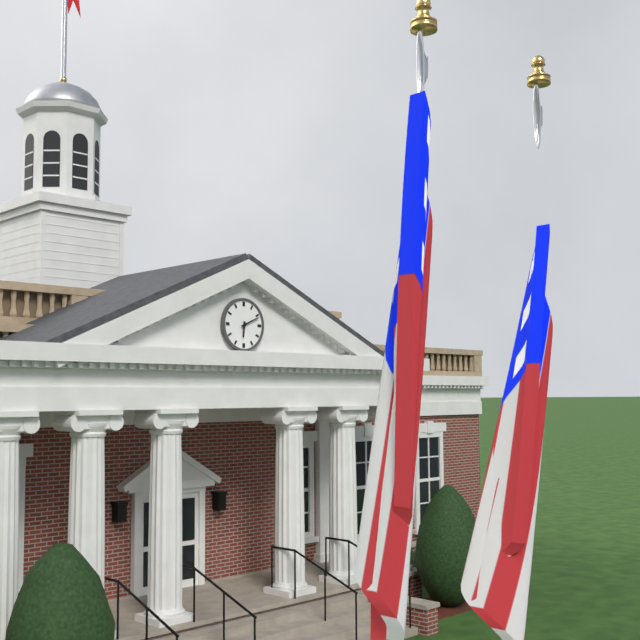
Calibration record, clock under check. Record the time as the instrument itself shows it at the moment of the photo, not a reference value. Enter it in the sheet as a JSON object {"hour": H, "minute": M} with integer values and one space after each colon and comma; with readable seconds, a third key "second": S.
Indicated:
{"hour": 6, "minute": 11}
